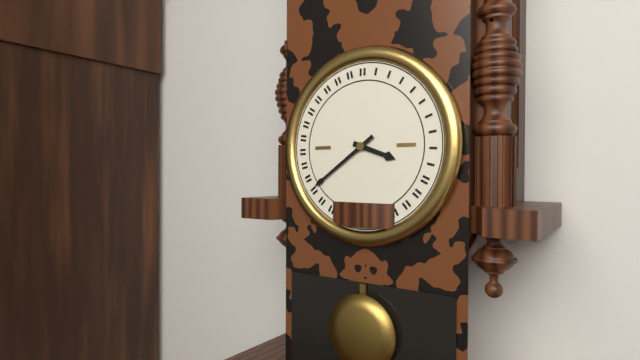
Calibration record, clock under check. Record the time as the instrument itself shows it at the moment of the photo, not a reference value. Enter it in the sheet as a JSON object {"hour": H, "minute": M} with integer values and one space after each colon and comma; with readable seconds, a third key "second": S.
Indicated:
{"hour": 3, "minute": 39}
